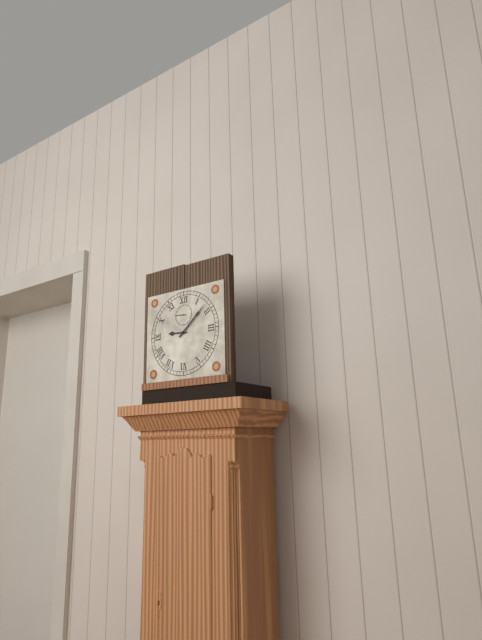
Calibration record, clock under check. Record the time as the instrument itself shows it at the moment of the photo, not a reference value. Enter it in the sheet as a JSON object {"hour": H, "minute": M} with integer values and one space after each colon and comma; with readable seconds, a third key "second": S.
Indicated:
{"hour": 9, "minute": 8}
